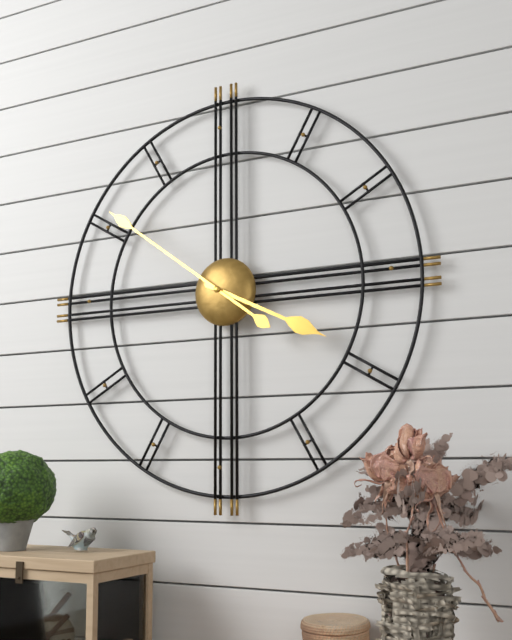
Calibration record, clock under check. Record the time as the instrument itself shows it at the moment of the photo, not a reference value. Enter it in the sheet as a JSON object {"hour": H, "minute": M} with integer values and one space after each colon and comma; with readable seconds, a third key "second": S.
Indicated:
{"hour": 3, "minute": 51}
